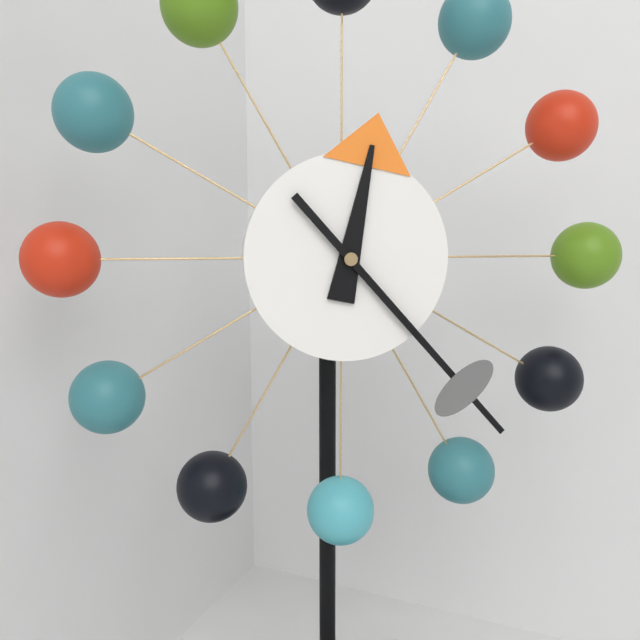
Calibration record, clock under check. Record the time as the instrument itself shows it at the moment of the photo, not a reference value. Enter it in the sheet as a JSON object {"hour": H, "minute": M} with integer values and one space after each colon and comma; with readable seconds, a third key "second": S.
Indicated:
{"hour": 12, "minute": 23}
